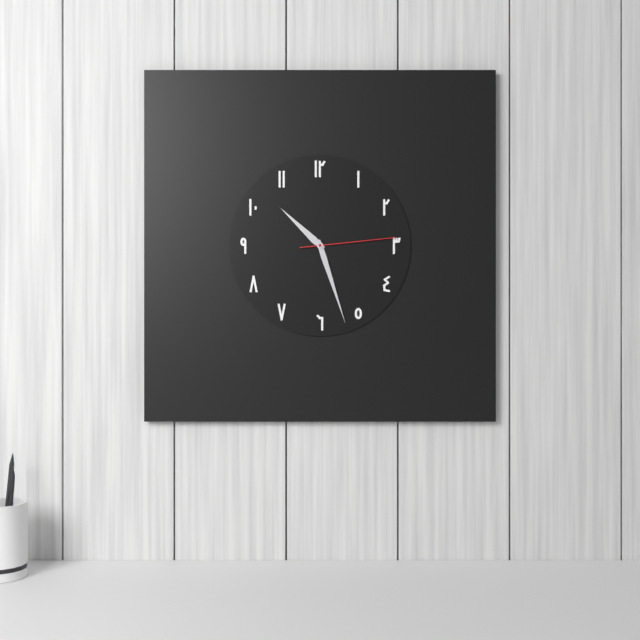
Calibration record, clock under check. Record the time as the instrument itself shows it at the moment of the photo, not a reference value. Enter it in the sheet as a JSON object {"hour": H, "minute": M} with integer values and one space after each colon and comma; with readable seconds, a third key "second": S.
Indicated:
{"hour": 10, "minute": 27, "second": 14}
